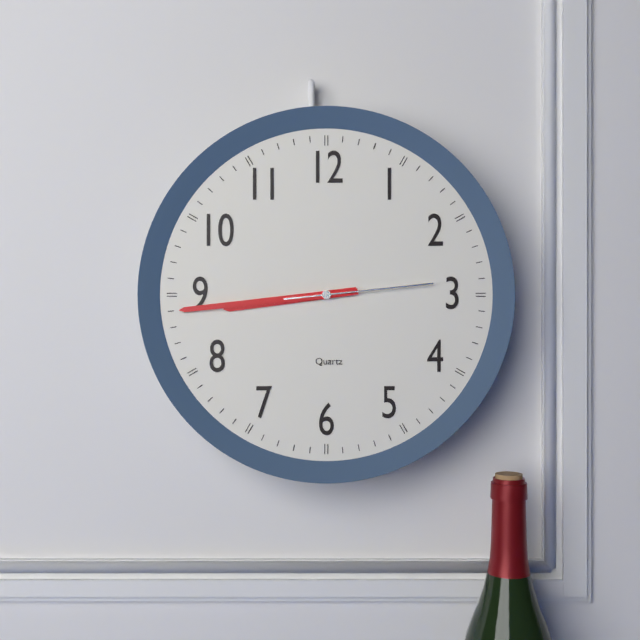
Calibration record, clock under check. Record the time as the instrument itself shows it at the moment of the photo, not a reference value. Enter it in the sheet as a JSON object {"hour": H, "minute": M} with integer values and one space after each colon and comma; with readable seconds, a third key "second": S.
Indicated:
{"hour": 8, "minute": 44, "second": 14}
